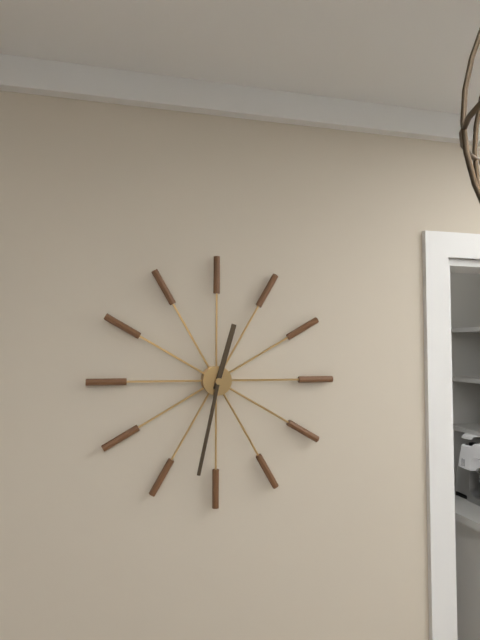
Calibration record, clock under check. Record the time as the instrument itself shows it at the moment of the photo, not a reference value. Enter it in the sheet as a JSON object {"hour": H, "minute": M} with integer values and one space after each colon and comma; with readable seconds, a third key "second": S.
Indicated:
{"hour": 12, "minute": 32}
